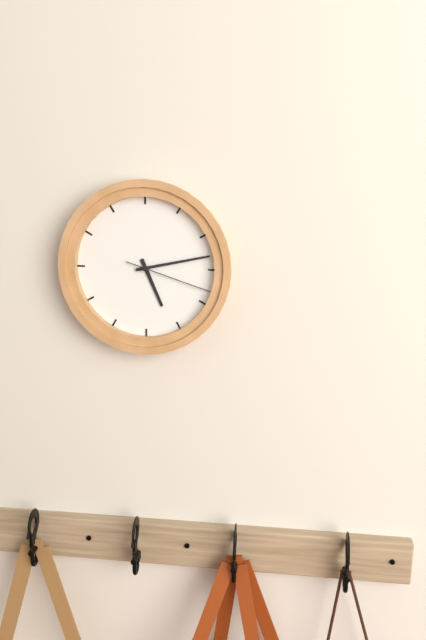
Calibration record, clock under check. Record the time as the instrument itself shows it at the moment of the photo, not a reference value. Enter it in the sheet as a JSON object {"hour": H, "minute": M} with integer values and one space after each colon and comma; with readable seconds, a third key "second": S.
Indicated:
{"hour": 5, "minute": 13, "second": 18}
